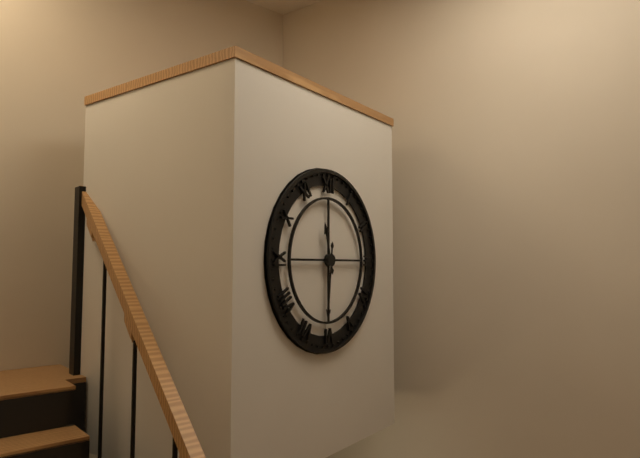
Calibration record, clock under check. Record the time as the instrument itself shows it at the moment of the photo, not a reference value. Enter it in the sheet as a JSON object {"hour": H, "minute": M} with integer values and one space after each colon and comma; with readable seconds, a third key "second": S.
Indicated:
{"hour": 11, "minute": 31}
